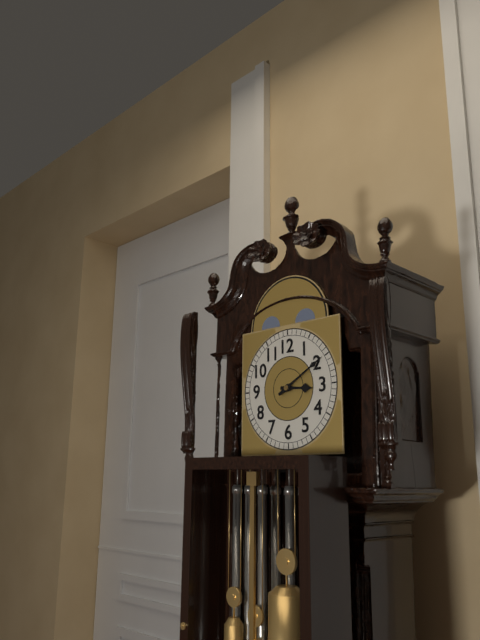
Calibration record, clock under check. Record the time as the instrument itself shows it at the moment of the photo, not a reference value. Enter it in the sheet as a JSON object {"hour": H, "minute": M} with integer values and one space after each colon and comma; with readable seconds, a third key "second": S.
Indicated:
{"hour": 3, "minute": 10}
